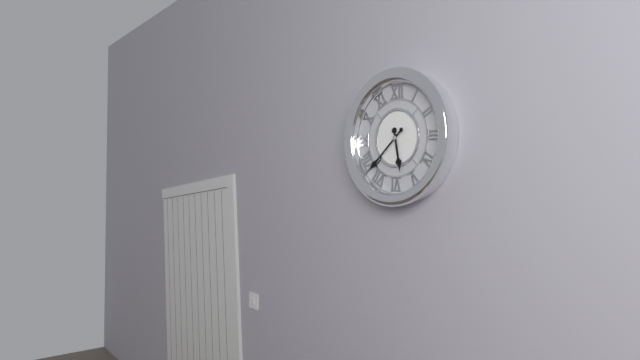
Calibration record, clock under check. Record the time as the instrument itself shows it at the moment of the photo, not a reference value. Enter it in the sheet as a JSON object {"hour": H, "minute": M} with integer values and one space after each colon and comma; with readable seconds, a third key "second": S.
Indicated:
{"hour": 5, "minute": 38}
